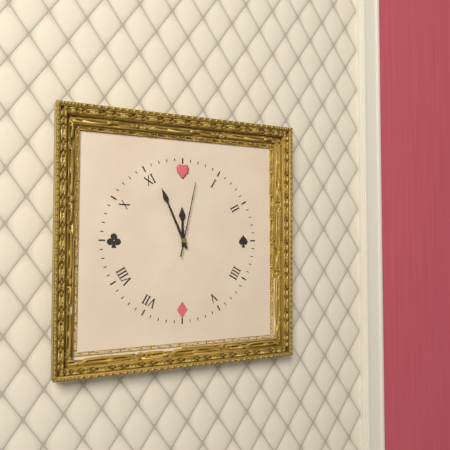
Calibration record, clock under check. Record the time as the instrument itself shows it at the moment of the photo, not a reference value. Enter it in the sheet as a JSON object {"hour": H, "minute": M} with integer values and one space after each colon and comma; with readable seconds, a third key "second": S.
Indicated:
{"hour": 11, "minute": 56, "second": 2}
